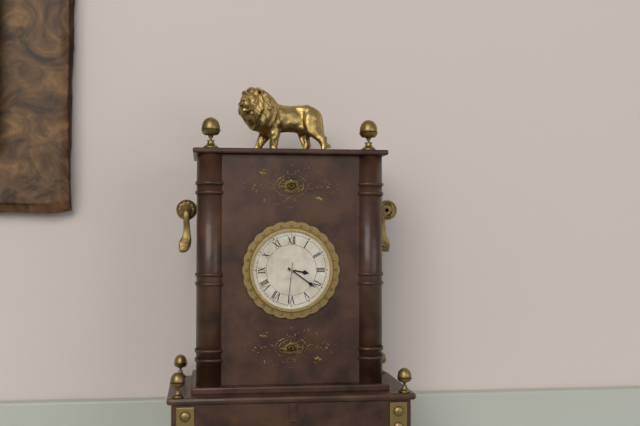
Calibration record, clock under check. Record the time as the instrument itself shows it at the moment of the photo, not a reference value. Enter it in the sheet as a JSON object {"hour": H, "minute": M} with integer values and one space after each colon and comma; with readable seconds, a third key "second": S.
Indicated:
{"hour": 3, "minute": 21}
